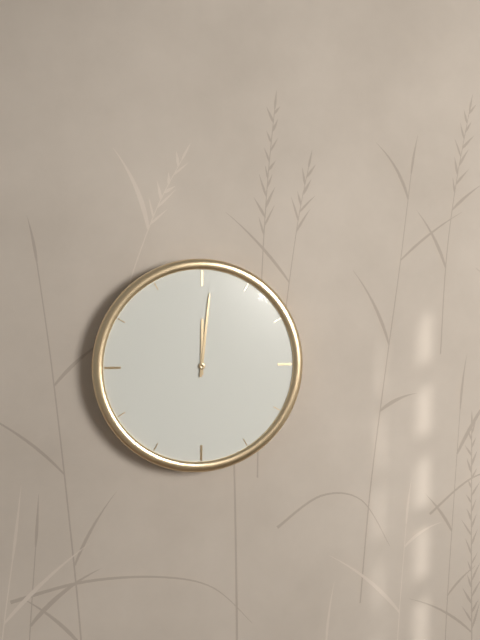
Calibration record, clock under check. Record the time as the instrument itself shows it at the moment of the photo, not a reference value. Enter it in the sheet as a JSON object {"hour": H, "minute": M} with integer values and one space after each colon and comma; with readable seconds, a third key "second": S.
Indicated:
{"hour": 12, "minute": 1}
